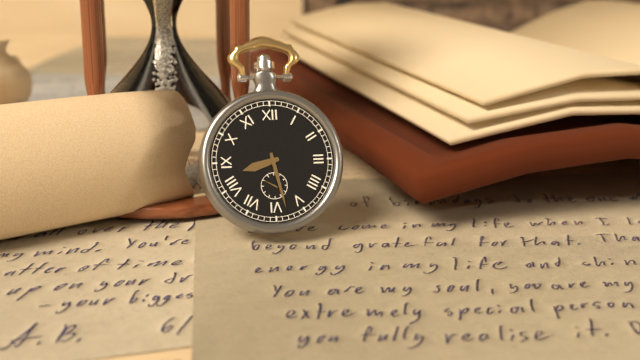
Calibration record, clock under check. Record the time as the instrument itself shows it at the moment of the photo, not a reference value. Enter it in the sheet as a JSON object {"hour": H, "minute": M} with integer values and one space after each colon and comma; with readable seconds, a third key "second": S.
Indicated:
{"hour": 8, "minute": 28}
